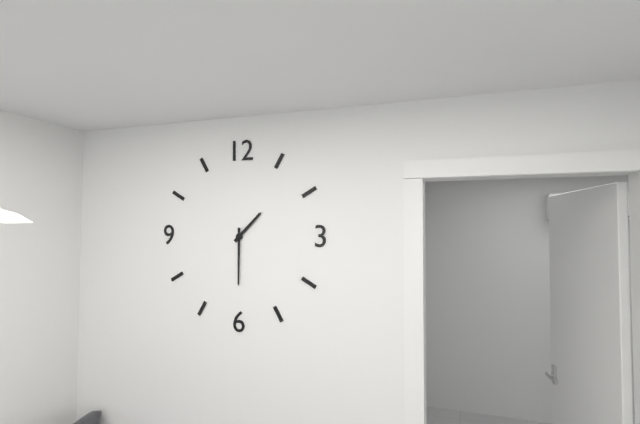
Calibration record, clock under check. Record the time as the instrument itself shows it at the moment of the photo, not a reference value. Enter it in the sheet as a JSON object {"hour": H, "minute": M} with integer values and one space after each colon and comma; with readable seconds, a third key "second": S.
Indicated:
{"hour": 1, "minute": 30}
